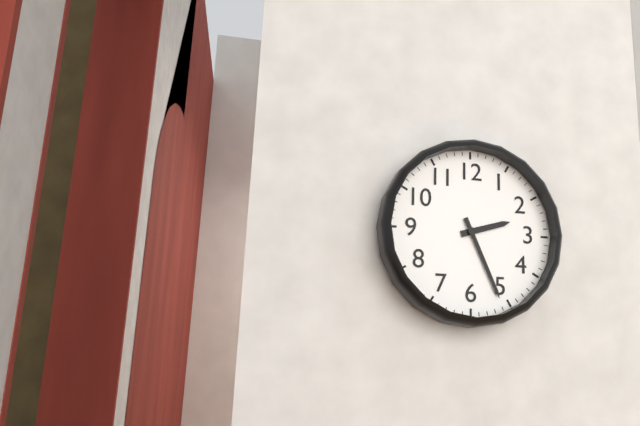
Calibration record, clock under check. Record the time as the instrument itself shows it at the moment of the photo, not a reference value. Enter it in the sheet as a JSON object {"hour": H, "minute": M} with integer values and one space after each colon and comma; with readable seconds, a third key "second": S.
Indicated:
{"hour": 2, "minute": 26}
